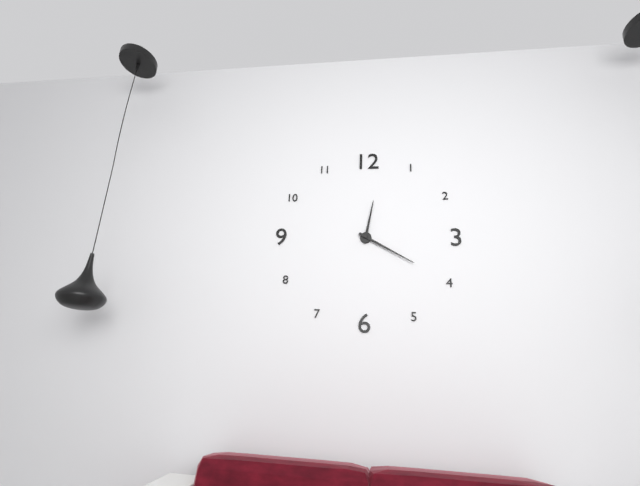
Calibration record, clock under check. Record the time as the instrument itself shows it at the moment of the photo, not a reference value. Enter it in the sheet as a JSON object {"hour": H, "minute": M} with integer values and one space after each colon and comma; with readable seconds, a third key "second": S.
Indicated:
{"hour": 12, "minute": 20}
